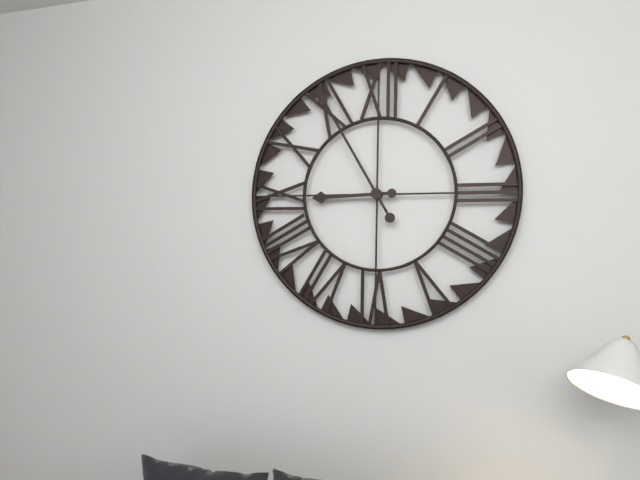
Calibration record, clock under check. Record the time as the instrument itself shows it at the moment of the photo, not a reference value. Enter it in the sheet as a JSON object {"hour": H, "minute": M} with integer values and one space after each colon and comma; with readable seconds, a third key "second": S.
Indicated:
{"hour": 8, "minute": 55}
